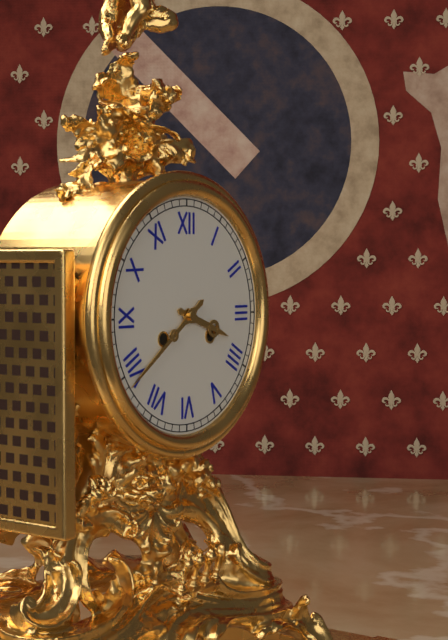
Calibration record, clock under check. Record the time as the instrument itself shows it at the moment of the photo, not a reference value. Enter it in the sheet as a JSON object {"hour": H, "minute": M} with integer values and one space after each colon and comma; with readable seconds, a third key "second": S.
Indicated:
{"hour": 3, "minute": 39}
